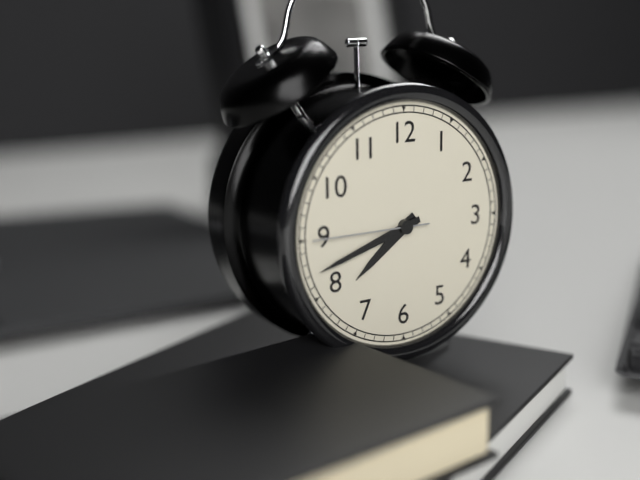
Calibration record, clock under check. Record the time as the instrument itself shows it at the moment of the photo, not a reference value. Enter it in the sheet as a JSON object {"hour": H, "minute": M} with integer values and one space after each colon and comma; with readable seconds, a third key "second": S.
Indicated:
{"hour": 7, "minute": 42, "second": 45}
